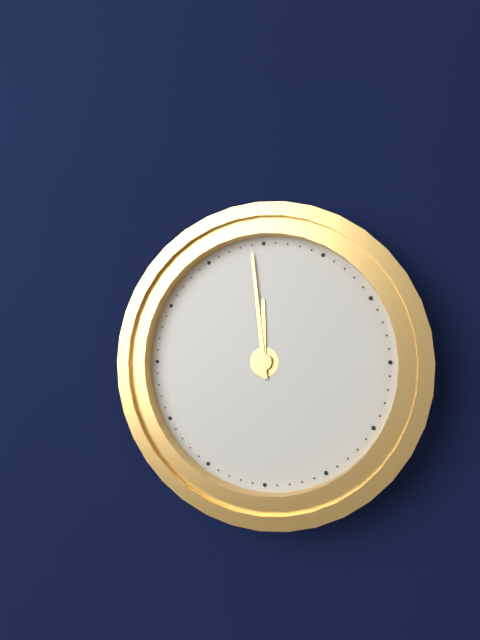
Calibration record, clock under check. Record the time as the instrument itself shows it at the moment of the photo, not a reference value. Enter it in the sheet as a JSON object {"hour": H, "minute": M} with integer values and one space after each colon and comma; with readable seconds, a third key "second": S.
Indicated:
{"hour": 11, "minute": 59}
